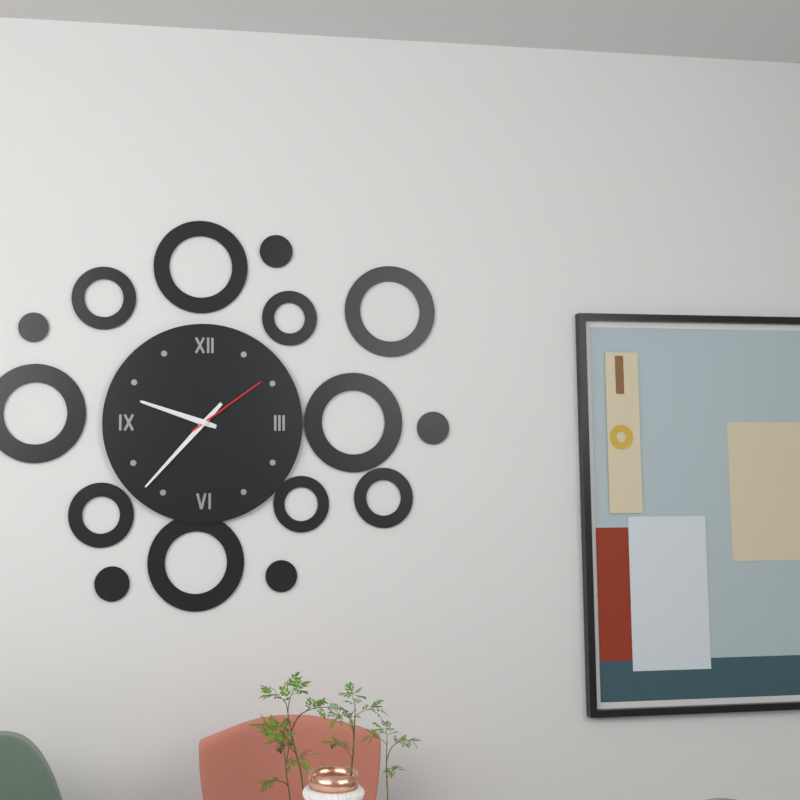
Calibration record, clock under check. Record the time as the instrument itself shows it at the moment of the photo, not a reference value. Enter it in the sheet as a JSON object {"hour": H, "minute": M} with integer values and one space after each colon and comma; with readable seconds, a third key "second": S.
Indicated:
{"hour": 9, "minute": 37, "second": 9}
